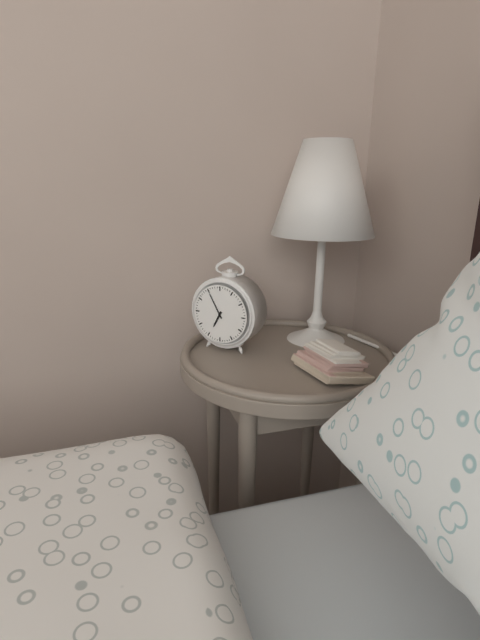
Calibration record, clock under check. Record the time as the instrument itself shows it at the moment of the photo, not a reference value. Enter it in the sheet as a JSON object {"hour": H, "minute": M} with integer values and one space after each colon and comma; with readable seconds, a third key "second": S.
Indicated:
{"hour": 6, "minute": 55}
